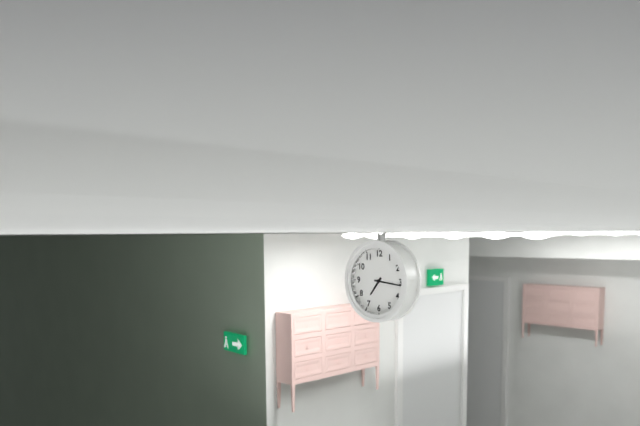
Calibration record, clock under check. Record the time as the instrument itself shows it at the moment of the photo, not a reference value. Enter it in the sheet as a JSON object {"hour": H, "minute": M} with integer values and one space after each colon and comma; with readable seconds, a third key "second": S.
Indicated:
{"hour": 7, "minute": 16}
